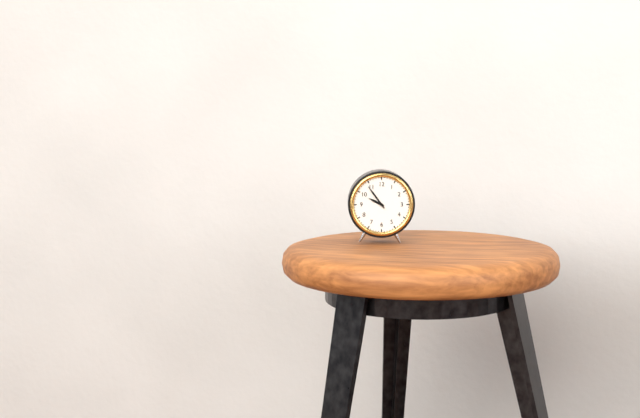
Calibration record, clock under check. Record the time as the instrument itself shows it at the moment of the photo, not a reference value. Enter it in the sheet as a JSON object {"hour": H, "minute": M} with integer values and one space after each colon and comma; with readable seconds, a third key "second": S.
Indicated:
{"hour": 9, "minute": 54}
